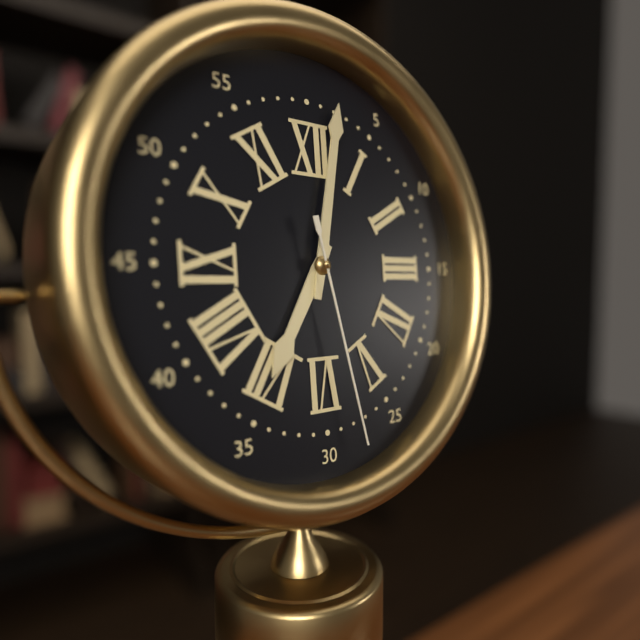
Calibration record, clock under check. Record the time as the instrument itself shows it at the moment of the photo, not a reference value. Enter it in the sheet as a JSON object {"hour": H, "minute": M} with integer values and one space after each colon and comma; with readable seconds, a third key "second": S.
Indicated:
{"hour": 7, "minute": 2, "second": 28}
